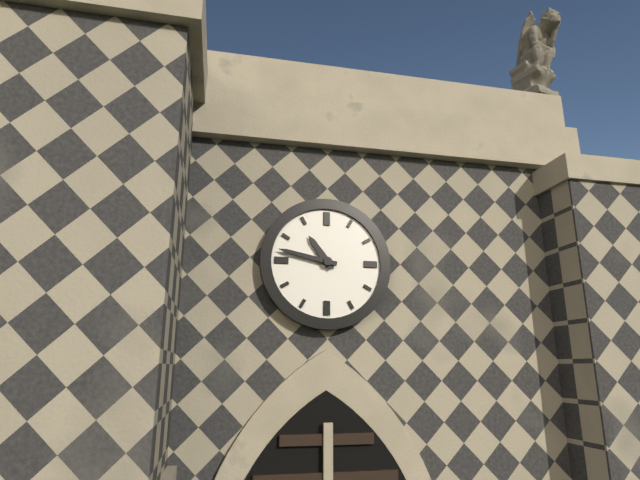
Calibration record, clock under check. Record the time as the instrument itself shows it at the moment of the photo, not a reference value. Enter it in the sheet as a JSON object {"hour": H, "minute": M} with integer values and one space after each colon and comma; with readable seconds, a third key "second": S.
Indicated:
{"hour": 10, "minute": 47}
